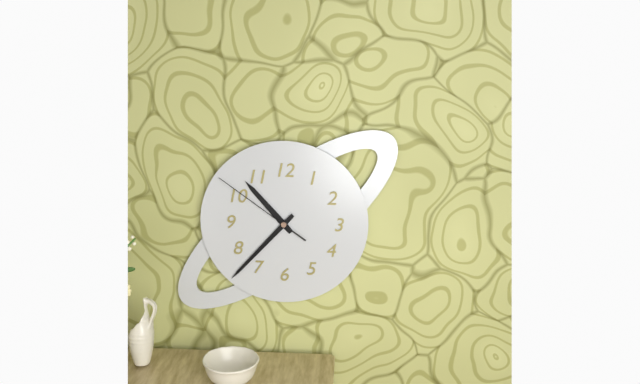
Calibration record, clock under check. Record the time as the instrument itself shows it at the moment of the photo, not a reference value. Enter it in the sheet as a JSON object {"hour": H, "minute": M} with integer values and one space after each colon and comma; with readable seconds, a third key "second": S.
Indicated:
{"hour": 10, "minute": 37, "second": 51}
